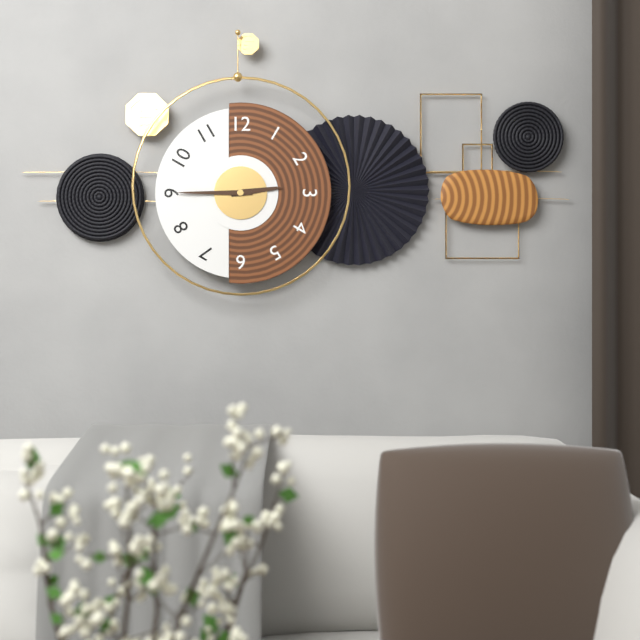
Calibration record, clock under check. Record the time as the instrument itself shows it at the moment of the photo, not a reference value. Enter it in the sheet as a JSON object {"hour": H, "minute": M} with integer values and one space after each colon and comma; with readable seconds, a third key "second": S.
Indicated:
{"hour": 2, "minute": 45}
